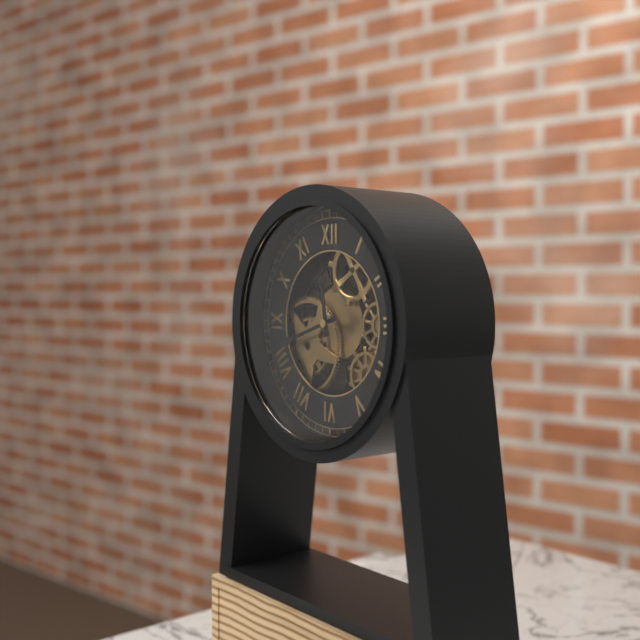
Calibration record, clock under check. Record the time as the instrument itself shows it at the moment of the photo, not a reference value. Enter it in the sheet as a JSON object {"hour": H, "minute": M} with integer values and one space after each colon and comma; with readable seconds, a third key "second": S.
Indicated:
{"hour": 11, "minute": 42}
